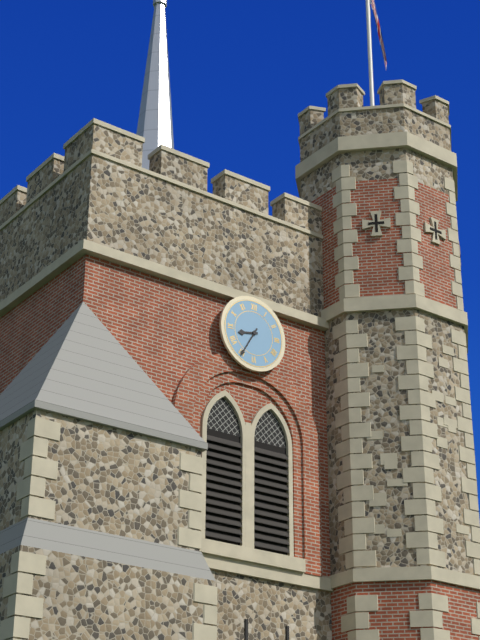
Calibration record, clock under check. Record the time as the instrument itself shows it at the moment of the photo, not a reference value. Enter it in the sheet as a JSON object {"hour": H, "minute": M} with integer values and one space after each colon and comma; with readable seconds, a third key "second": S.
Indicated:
{"hour": 8, "minute": 35}
